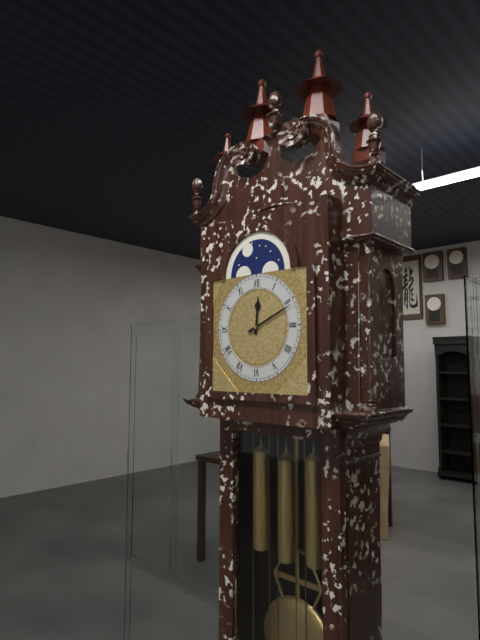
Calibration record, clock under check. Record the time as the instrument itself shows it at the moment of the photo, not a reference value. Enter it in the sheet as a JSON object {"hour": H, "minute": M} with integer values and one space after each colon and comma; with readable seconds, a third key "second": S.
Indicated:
{"hour": 12, "minute": 11}
